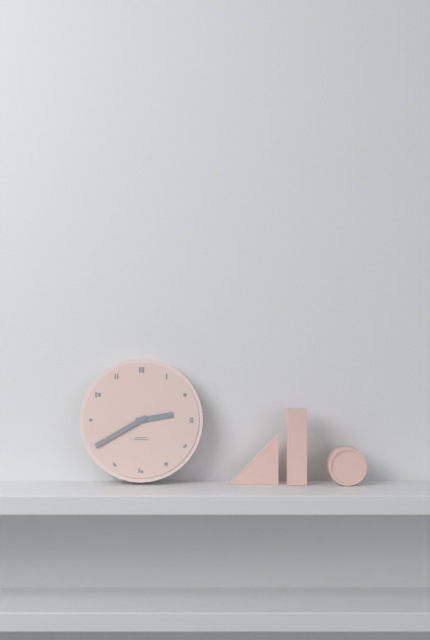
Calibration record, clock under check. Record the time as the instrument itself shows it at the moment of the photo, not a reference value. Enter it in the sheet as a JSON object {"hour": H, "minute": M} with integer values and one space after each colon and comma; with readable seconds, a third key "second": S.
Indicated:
{"hour": 2, "minute": 40}
